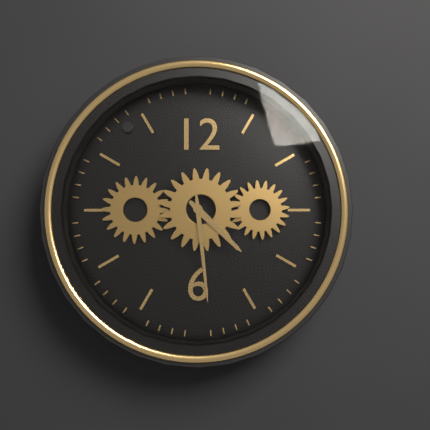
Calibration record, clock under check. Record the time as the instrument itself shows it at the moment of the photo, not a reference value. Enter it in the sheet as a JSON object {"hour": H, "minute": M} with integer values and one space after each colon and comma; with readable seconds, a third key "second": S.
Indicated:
{"hour": 4, "minute": 29}
